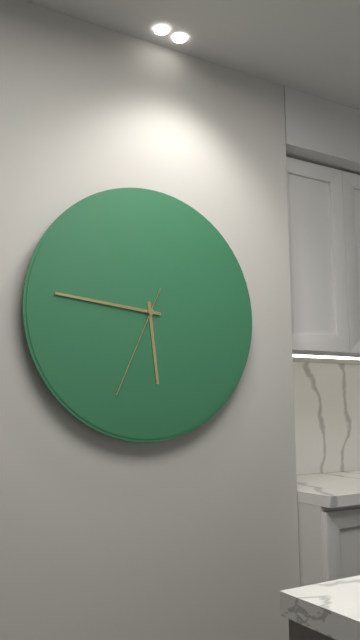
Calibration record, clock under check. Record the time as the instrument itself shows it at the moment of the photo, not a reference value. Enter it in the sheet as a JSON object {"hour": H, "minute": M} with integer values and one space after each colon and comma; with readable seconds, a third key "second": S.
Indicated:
{"hour": 5, "minute": 46, "second": 34}
